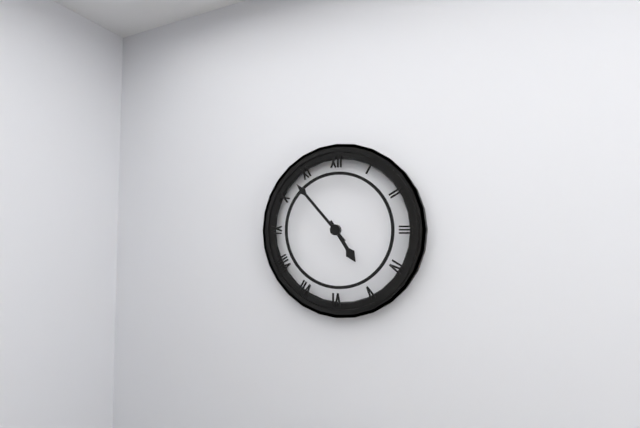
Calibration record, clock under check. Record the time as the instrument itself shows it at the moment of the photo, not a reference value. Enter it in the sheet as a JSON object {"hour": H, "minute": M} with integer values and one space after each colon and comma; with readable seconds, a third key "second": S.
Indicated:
{"hour": 4, "minute": 53}
